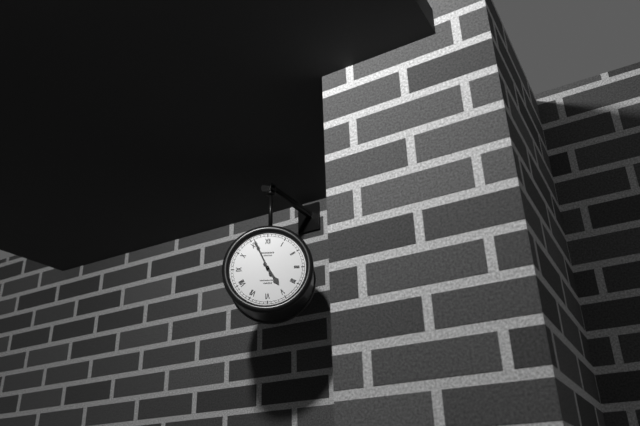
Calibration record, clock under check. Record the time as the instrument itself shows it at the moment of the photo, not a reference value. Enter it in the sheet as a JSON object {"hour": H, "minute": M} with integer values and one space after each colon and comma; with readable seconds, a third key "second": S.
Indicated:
{"hour": 4, "minute": 56}
